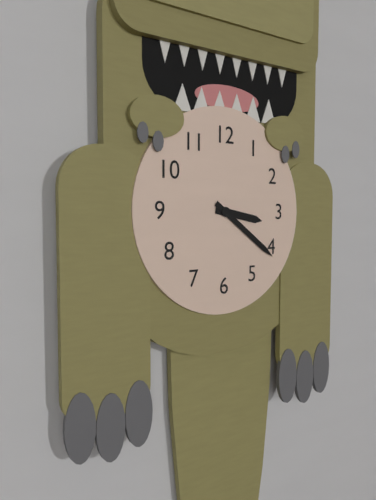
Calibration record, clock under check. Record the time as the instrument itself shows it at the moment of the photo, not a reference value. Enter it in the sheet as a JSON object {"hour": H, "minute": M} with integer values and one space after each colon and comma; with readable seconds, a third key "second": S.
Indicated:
{"hour": 3, "minute": 21}
